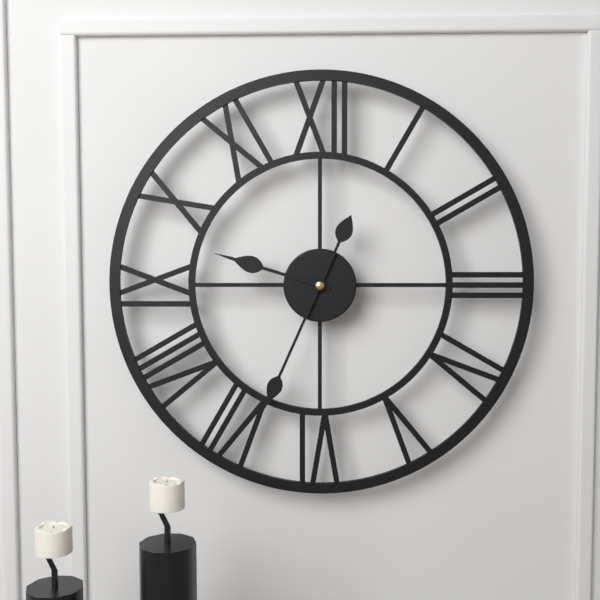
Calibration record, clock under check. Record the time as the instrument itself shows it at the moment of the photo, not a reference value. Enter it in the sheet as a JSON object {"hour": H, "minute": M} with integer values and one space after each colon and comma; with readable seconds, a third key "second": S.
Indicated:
{"hour": 9, "minute": 34}
